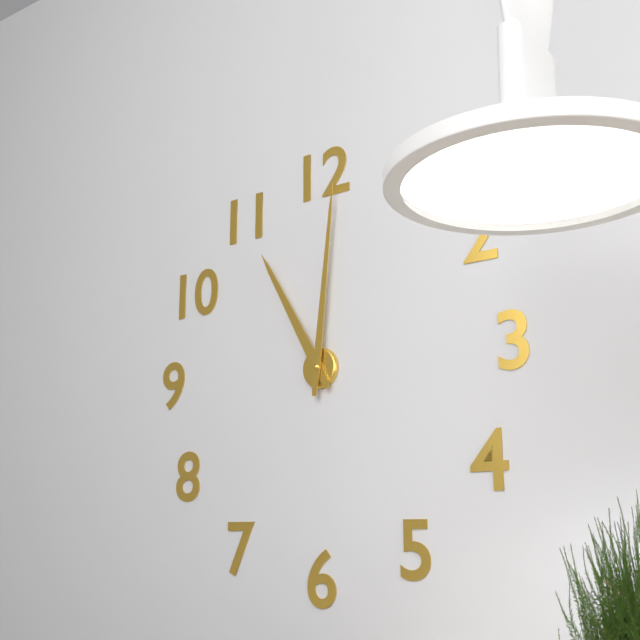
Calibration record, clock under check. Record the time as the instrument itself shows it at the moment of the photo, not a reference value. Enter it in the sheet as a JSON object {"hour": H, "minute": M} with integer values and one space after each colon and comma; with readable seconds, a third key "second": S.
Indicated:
{"hour": 11, "minute": 1}
